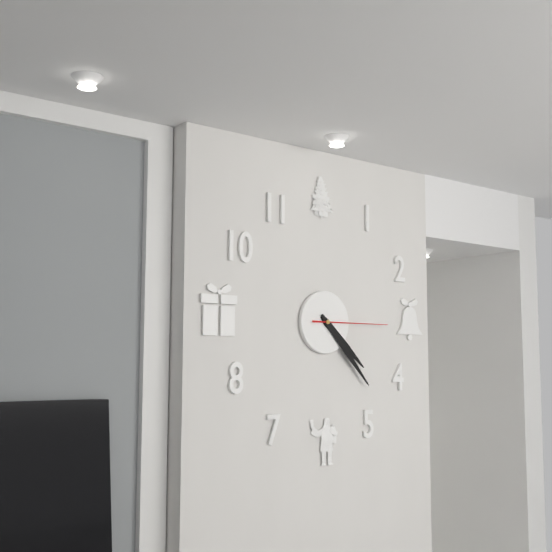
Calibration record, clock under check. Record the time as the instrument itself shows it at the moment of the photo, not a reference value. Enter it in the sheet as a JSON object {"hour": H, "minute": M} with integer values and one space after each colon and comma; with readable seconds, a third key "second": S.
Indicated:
{"hour": 4, "minute": 23, "second": 15}
